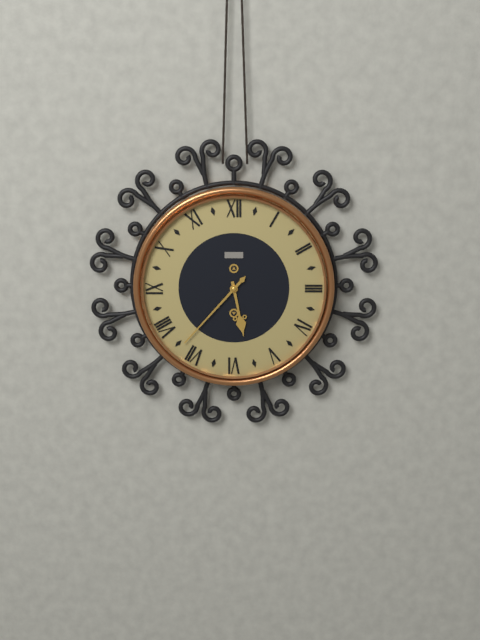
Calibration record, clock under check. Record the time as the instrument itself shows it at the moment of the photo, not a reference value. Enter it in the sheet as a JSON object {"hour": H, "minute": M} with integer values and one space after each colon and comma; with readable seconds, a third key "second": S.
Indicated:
{"hour": 5, "minute": 37}
